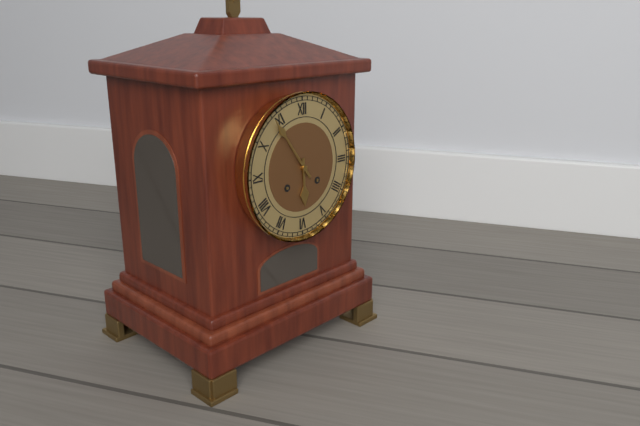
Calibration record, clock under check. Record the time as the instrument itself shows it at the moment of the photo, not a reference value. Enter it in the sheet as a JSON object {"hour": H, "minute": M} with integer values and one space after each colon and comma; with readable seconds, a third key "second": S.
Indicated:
{"hour": 5, "minute": 54}
